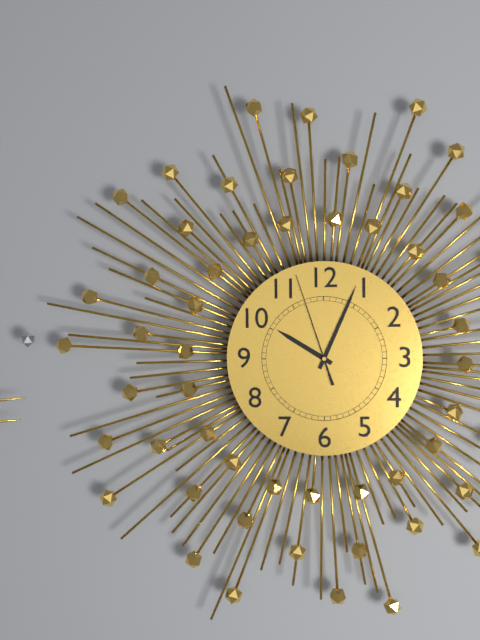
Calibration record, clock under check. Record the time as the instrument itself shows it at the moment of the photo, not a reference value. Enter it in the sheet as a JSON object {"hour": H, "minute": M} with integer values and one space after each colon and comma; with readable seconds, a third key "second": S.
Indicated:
{"hour": 10, "minute": 4, "second": 57}
